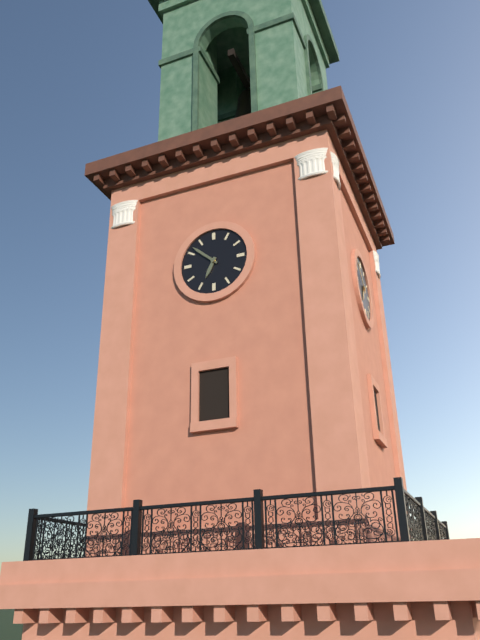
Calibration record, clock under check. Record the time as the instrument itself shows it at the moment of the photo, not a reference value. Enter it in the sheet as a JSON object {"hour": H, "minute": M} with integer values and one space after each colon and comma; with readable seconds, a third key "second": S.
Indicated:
{"hour": 6, "minute": 52}
